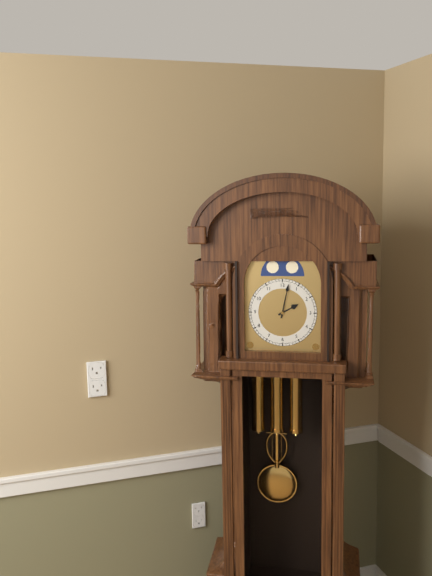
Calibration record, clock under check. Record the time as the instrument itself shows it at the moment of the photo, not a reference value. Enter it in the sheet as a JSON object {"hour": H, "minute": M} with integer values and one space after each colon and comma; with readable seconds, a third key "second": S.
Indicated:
{"hour": 2, "minute": 2}
